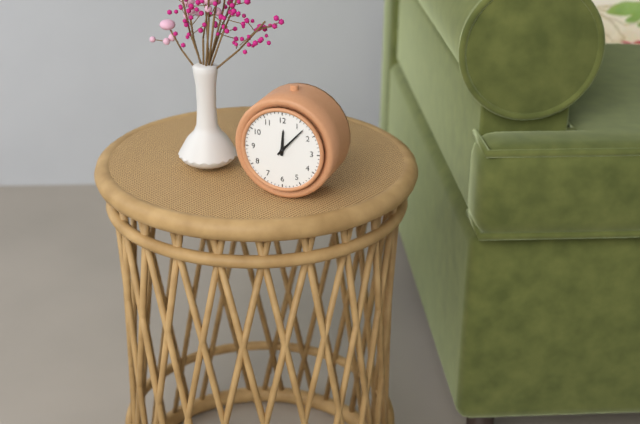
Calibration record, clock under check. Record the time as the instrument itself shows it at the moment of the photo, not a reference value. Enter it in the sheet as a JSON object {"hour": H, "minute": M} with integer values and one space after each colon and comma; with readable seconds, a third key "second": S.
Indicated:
{"hour": 12, "minute": 7}
